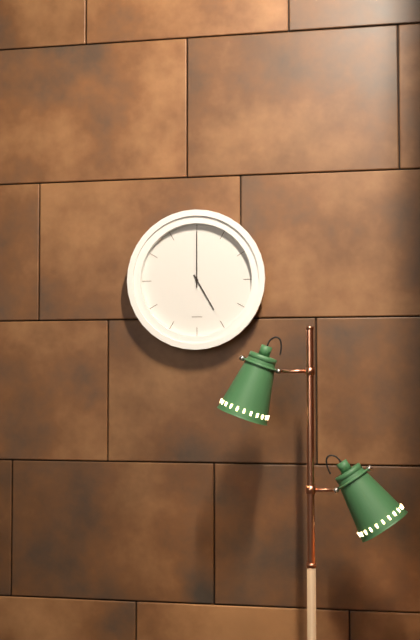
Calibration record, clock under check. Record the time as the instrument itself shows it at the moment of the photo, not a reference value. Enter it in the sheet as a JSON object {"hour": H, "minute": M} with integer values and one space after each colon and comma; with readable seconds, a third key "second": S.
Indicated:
{"hour": 5, "minute": 0}
